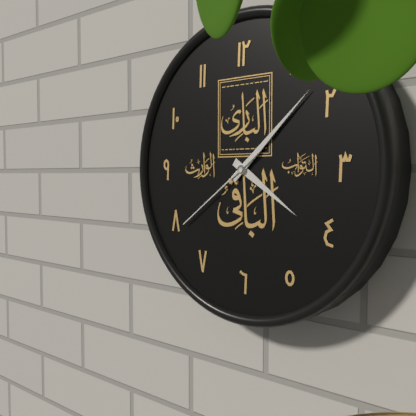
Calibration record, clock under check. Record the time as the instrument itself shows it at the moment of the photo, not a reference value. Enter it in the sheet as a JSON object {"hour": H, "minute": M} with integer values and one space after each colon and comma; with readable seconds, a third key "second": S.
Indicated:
{"hour": 4, "minute": 8, "second": 39}
